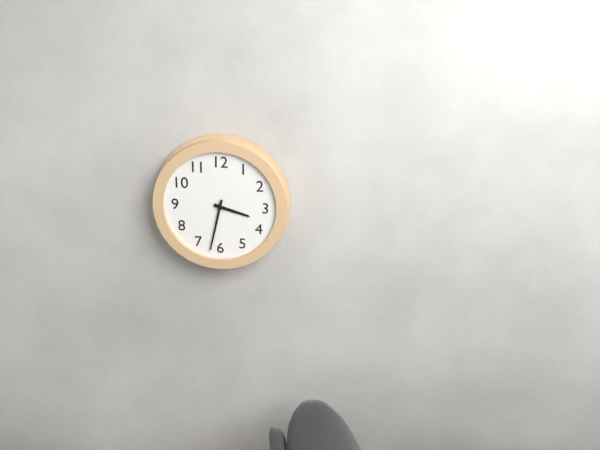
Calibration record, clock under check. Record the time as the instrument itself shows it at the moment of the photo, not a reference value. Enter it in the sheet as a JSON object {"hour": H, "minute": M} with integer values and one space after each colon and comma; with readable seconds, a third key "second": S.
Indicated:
{"hour": 3, "minute": 32}
